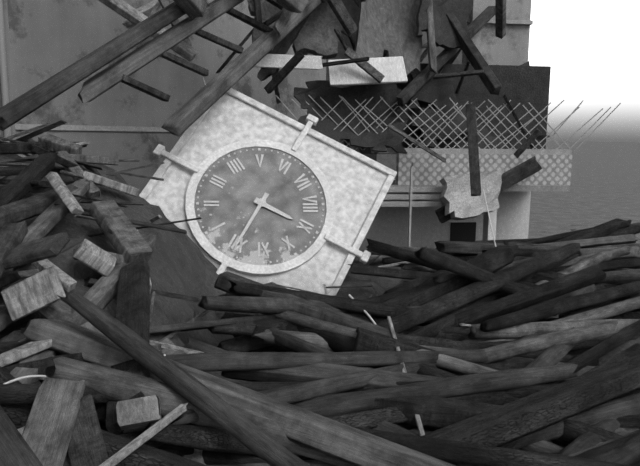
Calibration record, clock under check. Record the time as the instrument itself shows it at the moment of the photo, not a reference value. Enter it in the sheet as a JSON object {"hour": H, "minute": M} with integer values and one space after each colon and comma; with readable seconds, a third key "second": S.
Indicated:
{"hour": 9, "minute": 0}
